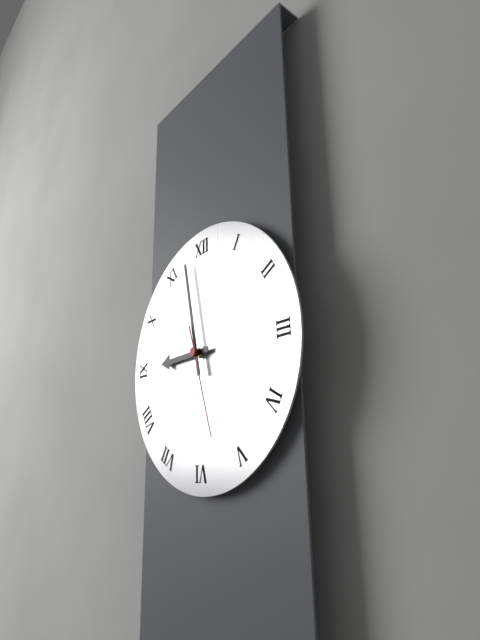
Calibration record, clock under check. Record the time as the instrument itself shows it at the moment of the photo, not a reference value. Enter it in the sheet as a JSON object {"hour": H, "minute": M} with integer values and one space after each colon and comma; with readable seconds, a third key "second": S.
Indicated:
{"hour": 8, "minute": 58, "second": 27}
